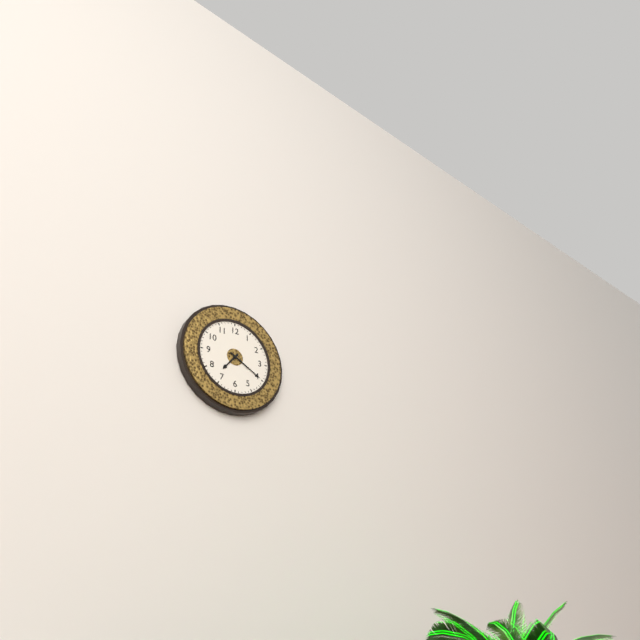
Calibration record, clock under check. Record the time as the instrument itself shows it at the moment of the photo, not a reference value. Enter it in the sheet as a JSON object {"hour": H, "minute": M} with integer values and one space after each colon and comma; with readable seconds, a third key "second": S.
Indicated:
{"hour": 7, "minute": 20}
